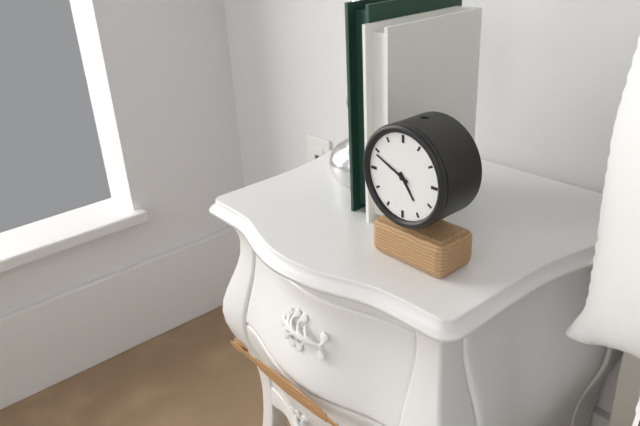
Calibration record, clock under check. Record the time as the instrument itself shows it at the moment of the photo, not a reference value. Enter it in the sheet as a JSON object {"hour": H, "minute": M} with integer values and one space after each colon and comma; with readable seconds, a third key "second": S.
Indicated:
{"hour": 4, "minute": 49}
